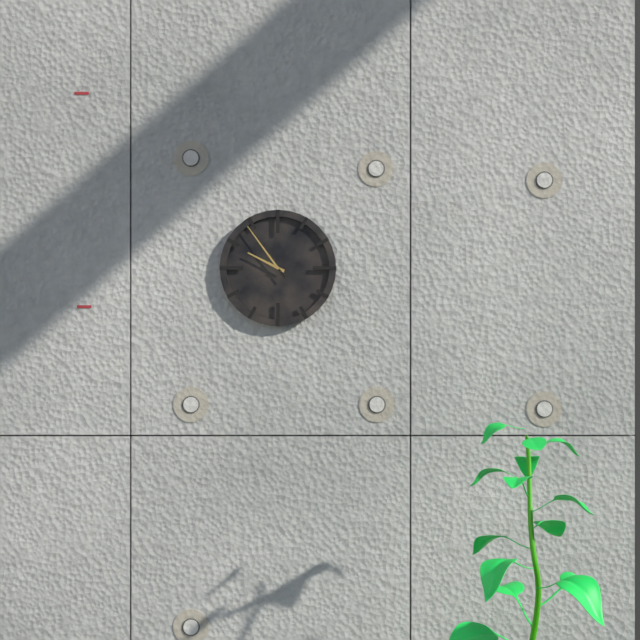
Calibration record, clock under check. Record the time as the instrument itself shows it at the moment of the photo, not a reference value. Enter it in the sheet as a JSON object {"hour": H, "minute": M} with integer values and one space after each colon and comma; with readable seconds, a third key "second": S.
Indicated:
{"hour": 9, "minute": 54}
